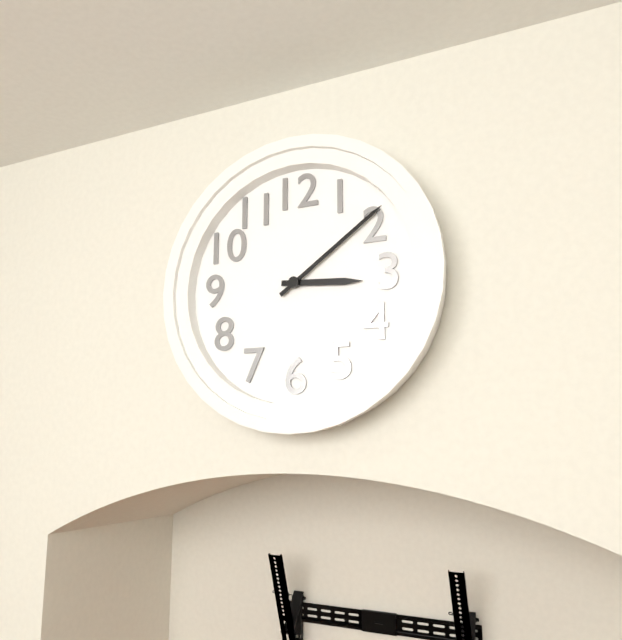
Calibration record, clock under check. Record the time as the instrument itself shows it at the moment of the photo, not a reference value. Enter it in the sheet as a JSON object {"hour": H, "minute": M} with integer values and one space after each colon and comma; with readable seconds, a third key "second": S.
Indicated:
{"hour": 3, "minute": 9}
